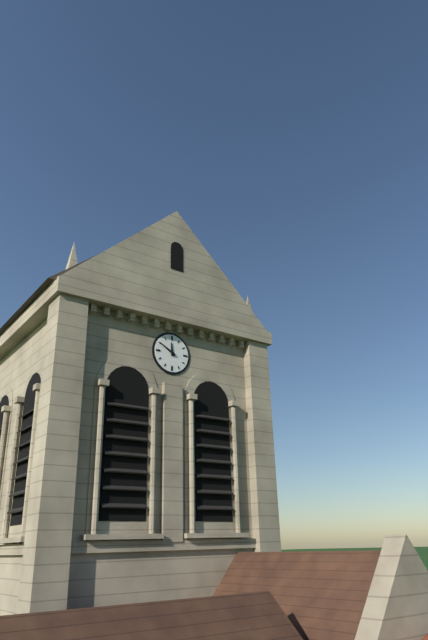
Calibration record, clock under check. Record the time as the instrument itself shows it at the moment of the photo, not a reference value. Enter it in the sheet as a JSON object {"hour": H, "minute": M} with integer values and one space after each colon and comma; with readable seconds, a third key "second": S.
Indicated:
{"hour": 11, "minute": 50}
